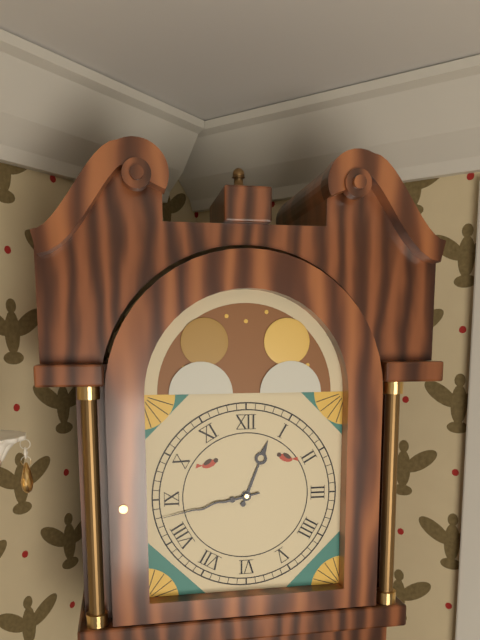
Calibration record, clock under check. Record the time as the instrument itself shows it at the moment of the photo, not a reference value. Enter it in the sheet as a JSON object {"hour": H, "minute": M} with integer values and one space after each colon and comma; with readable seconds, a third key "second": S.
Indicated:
{"hour": 12, "minute": 43}
